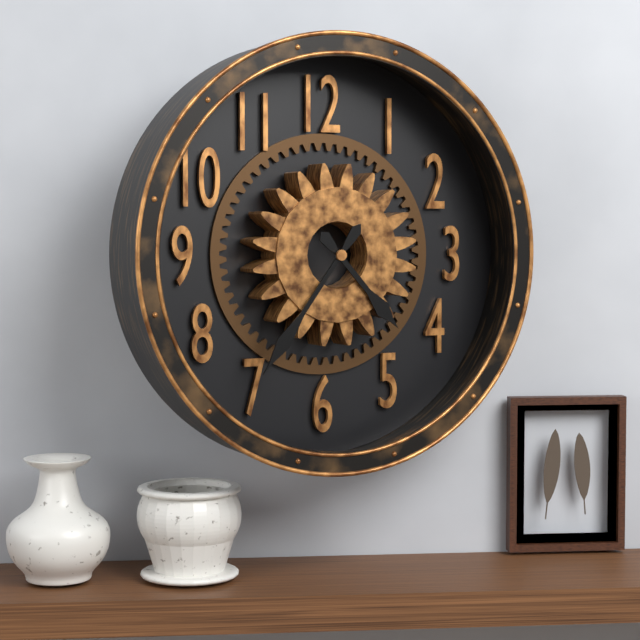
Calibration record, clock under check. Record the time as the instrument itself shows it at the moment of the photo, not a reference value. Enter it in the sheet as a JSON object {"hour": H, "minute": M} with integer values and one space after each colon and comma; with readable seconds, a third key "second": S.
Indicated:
{"hour": 4, "minute": 36}
